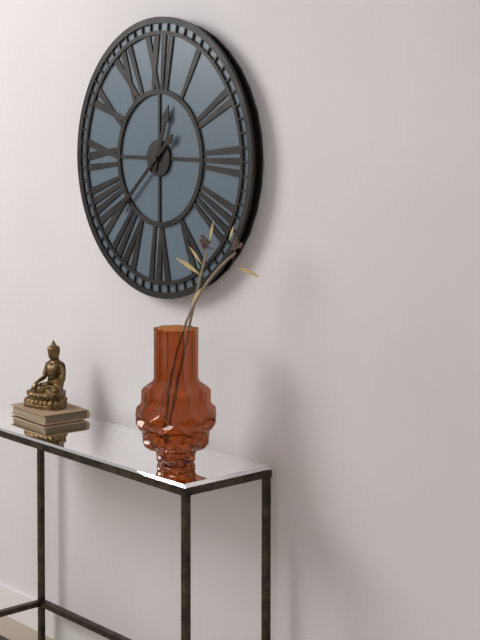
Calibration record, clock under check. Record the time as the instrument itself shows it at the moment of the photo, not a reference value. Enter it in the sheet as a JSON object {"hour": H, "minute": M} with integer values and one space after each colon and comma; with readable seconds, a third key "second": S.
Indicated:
{"hour": 12, "minute": 38}
